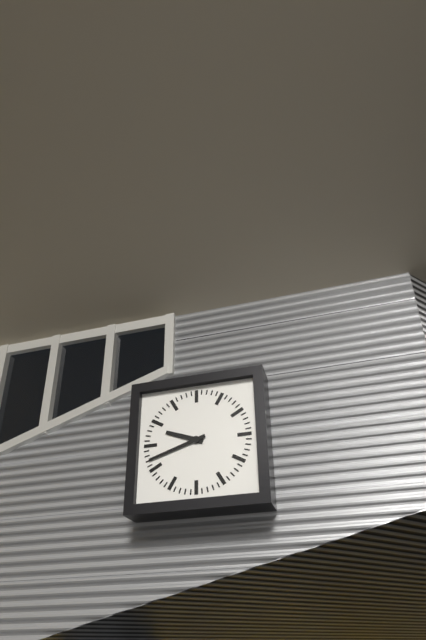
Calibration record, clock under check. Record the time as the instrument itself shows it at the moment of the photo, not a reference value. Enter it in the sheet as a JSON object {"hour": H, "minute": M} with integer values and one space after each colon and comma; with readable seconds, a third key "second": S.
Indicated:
{"hour": 9, "minute": 42}
